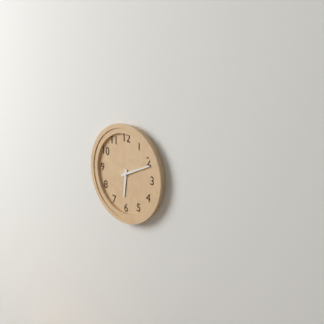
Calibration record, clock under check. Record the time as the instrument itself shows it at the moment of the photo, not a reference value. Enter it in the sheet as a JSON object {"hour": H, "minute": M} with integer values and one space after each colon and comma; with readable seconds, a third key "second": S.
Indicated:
{"hour": 6, "minute": 11}
